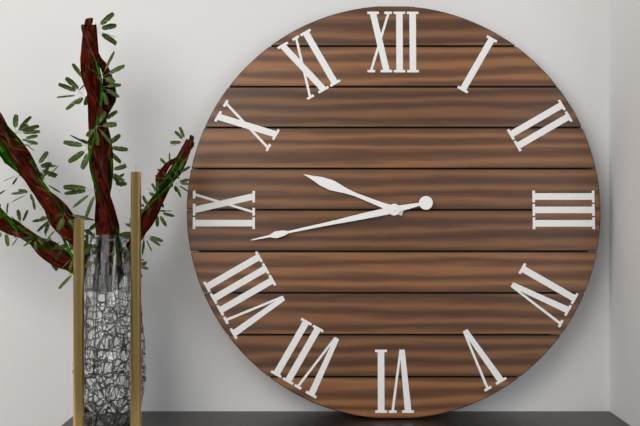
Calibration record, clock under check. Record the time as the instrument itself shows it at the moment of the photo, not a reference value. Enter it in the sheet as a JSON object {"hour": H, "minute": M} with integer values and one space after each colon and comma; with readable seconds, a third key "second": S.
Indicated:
{"hour": 9, "minute": 43}
